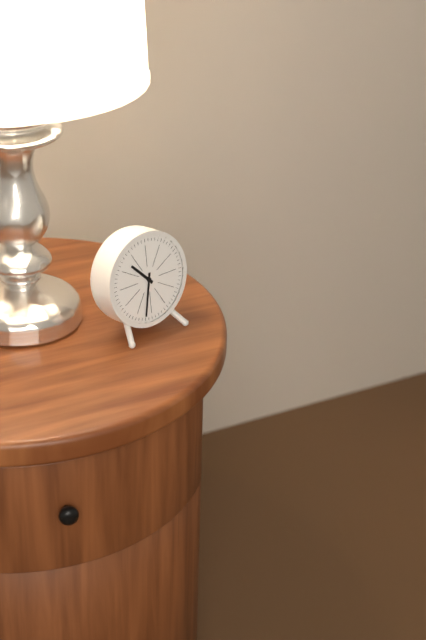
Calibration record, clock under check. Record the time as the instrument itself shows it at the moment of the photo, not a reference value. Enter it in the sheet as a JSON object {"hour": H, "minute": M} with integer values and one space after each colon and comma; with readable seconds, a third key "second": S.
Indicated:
{"hour": 10, "minute": 32}
